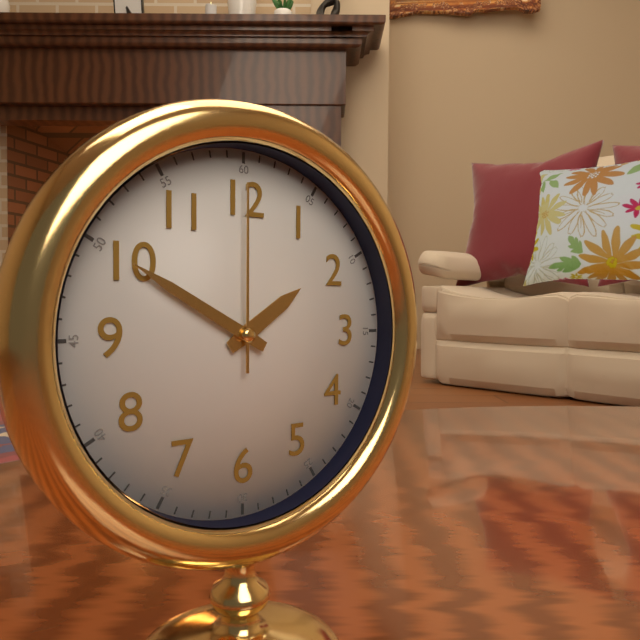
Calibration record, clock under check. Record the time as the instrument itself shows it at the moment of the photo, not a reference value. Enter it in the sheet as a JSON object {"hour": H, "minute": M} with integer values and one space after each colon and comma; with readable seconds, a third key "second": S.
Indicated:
{"hour": 1, "minute": 50, "second": 0}
